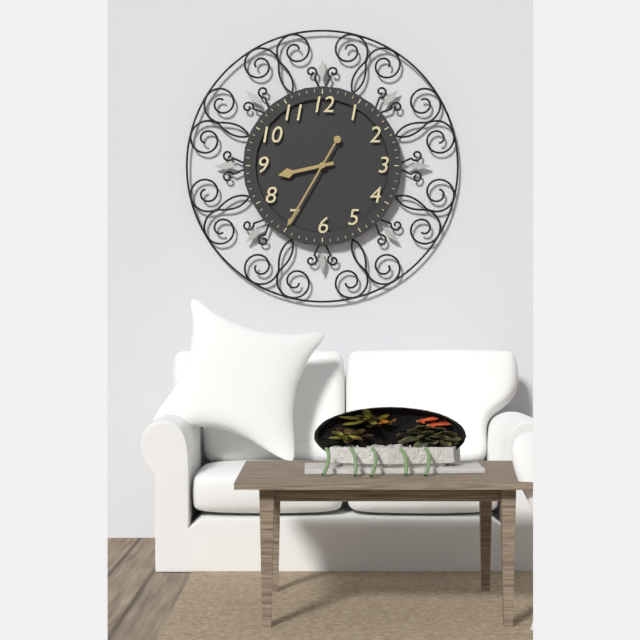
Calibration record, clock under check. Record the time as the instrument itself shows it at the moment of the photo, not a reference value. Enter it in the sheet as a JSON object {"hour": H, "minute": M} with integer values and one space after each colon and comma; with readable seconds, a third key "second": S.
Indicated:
{"hour": 8, "minute": 35}
